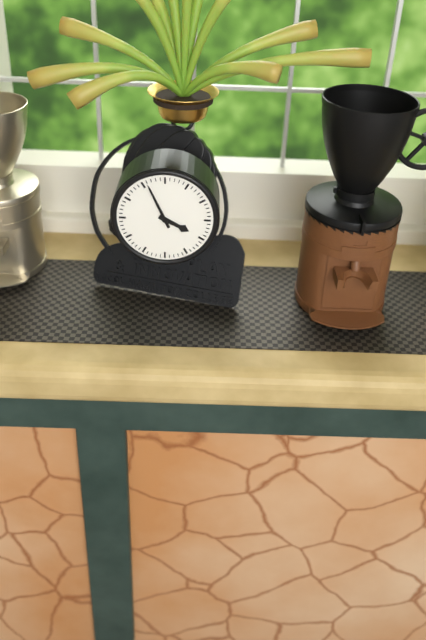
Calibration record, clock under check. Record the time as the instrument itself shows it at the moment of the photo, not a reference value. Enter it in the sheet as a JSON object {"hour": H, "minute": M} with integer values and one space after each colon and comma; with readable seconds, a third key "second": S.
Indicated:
{"hour": 3, "minute": 56}
